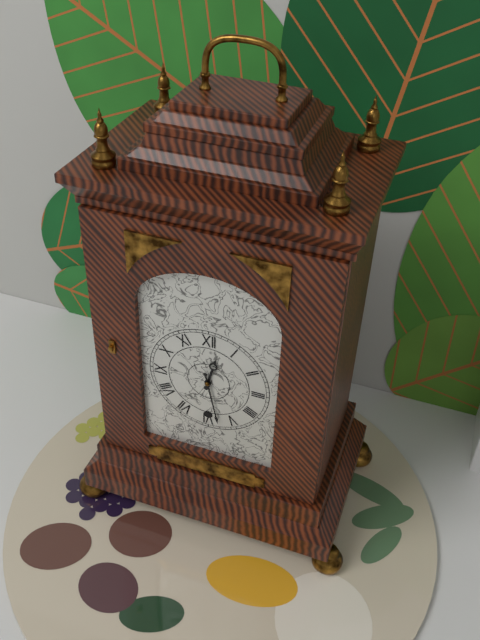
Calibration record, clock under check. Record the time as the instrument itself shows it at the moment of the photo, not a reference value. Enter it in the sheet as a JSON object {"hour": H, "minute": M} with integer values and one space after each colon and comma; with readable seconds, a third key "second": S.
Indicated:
{"hour": 12, "minute": 28}
